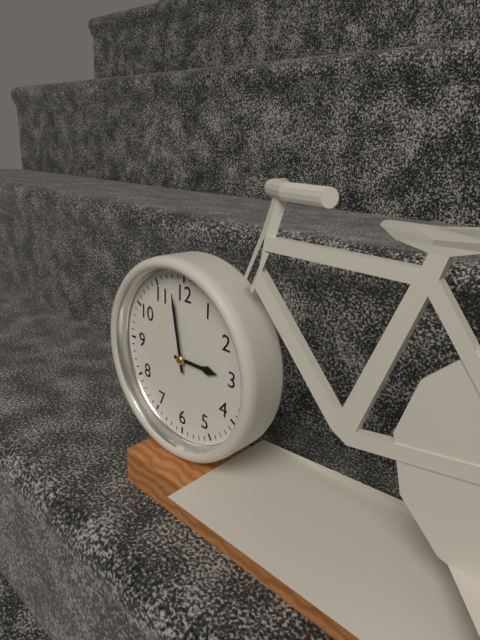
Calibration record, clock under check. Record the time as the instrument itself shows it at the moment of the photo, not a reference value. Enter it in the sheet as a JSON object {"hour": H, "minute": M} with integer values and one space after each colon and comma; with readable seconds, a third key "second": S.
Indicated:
{"hour": 2, "minute": 58}
